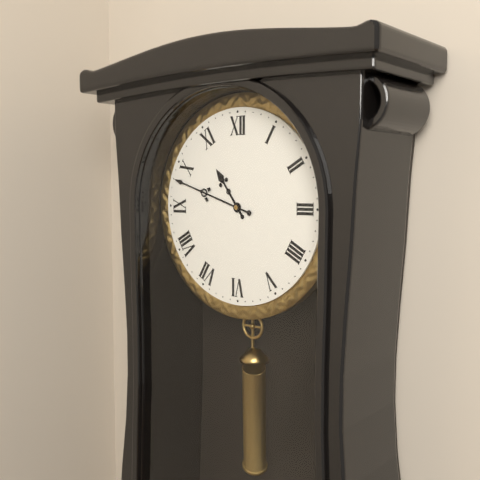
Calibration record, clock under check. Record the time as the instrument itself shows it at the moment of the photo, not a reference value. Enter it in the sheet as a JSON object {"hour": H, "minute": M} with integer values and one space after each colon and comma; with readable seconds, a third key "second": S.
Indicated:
{"hour": 10, "minute": 48}
